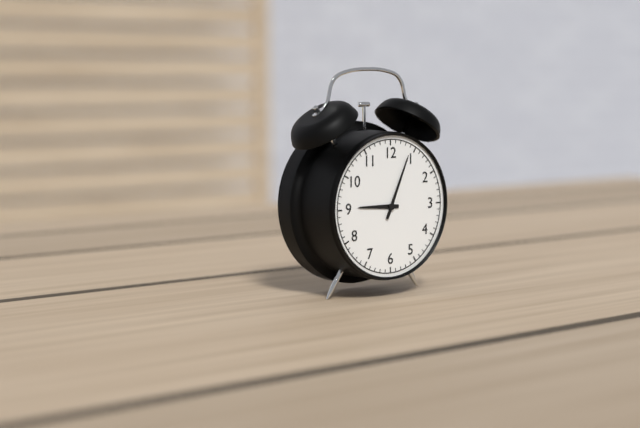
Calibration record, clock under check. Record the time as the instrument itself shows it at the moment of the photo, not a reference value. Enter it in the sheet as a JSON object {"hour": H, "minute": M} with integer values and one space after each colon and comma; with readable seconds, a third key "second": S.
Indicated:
{"hour": 9, "minute": 4}
